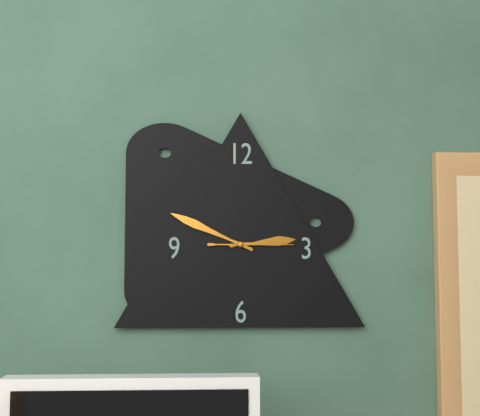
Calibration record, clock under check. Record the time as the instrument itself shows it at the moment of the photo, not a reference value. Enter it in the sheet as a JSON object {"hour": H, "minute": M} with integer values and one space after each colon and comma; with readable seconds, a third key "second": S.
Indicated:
{"hour": 2, "minute": 49, "second": 15}
